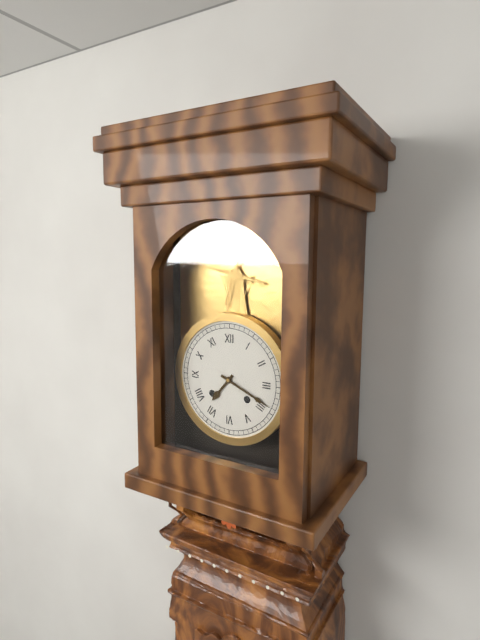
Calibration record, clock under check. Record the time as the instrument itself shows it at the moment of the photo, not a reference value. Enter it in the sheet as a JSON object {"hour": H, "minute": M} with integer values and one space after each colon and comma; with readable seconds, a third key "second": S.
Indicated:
{"hour": 7, "minute": 19}
